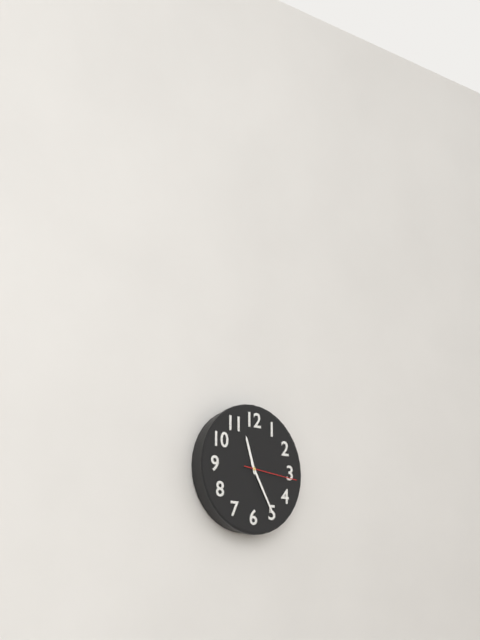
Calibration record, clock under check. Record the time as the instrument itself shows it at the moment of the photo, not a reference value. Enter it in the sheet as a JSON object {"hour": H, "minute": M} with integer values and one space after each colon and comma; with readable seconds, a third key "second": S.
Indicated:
{"hour": 11, "minute": 25, "second": 16}
